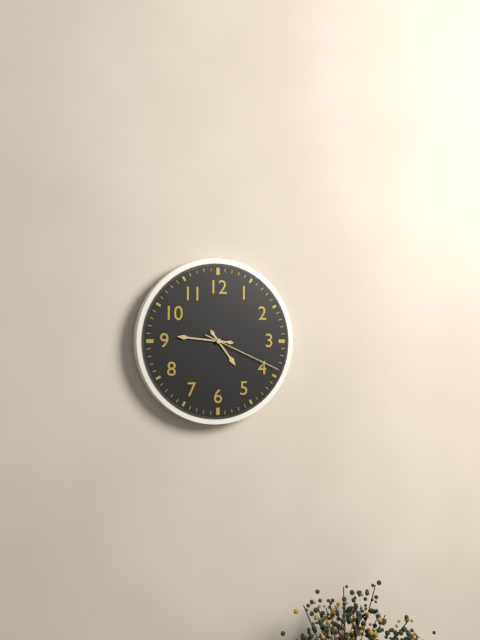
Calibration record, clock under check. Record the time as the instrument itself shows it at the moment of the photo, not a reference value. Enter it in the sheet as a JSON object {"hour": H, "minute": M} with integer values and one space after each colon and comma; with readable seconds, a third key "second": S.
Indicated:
{"hour": 4, "minute": 46, "second": 19}
